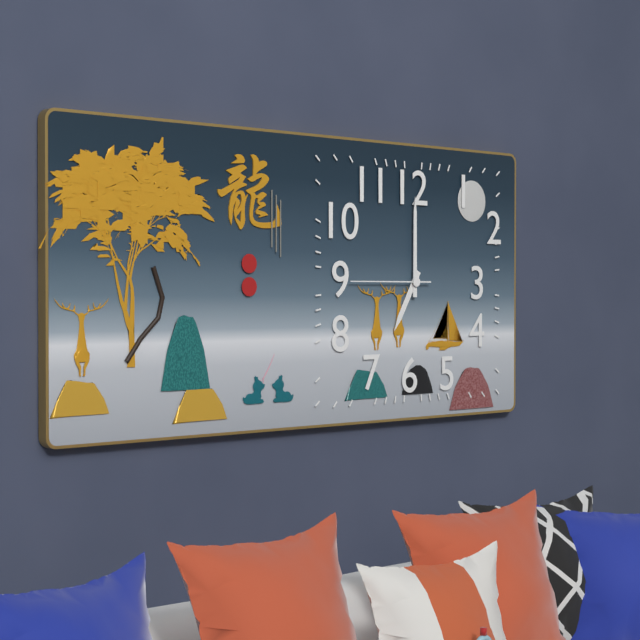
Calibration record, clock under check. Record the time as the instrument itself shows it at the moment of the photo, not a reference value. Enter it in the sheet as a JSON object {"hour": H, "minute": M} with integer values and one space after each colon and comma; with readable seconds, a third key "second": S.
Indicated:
{"hour": 7, "minute": 0, "second": 45}
